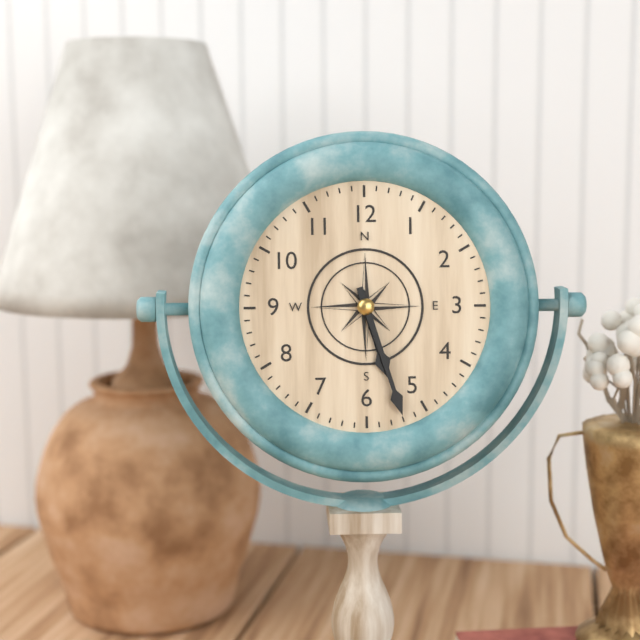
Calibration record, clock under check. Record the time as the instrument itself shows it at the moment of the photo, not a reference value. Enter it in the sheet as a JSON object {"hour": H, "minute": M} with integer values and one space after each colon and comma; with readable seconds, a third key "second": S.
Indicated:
{"hour": 5, "minute": 27}
